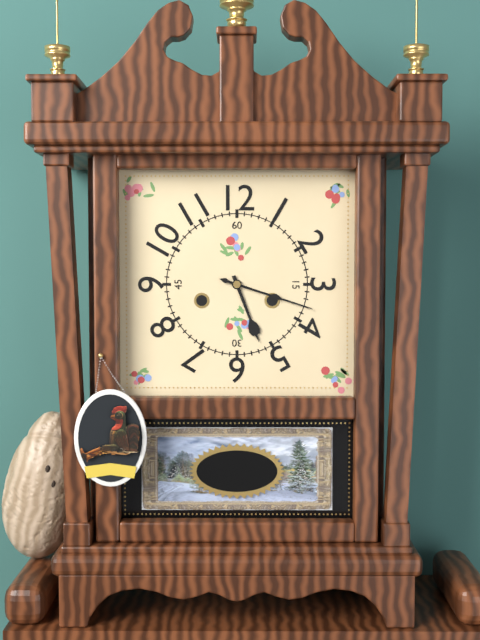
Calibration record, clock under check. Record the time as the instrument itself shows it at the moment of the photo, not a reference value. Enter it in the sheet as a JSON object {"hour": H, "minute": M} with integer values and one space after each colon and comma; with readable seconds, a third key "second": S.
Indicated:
{"hour": 5, "minute": 18}
